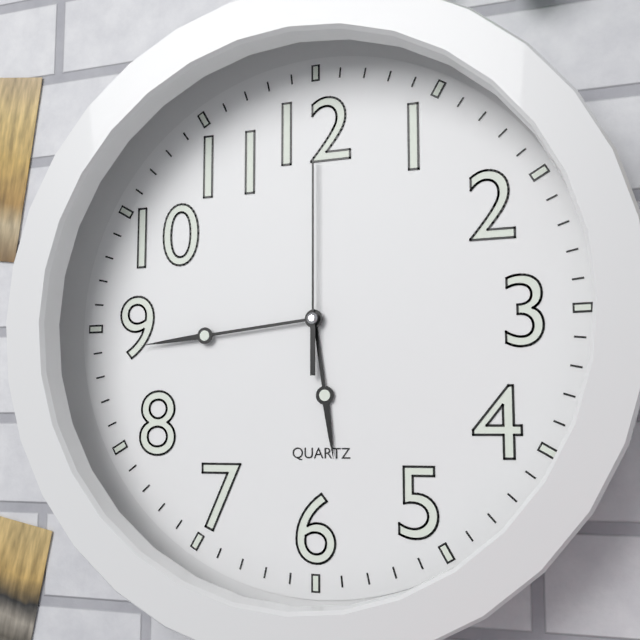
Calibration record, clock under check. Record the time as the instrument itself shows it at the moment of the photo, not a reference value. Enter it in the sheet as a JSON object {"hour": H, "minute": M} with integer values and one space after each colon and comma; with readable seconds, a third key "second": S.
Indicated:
{"hour": 5, "minute": 44, "second": 0}
